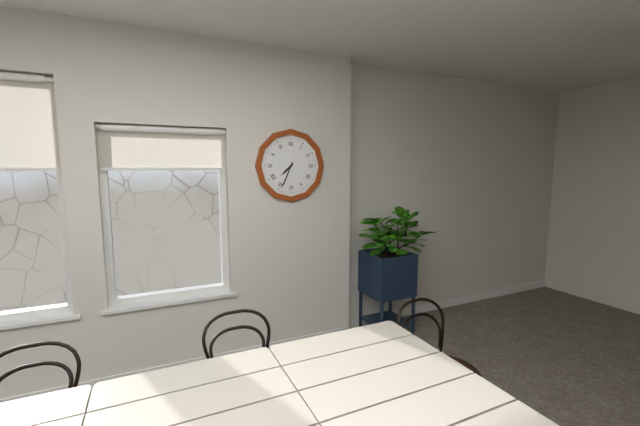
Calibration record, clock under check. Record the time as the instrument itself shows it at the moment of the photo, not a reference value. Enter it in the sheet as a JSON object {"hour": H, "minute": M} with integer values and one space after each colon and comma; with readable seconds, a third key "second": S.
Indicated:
{"hour": 7, "minute": 34}
